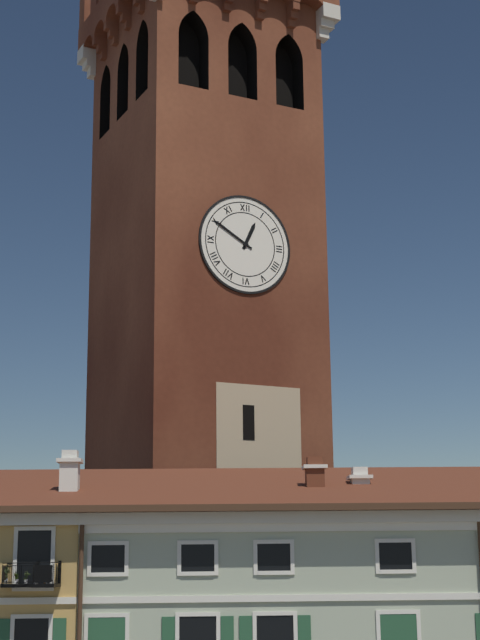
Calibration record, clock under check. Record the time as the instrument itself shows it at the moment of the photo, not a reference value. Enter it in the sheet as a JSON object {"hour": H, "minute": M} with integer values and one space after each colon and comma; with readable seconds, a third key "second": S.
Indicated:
{"hour": 12, "minute": 50}
